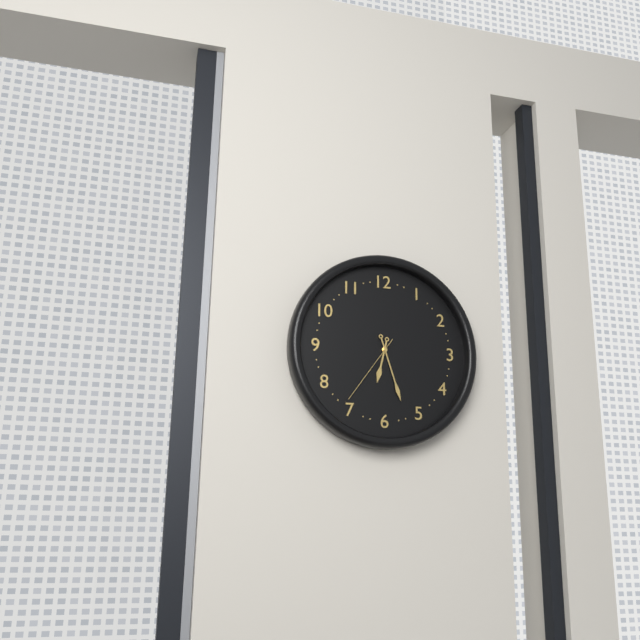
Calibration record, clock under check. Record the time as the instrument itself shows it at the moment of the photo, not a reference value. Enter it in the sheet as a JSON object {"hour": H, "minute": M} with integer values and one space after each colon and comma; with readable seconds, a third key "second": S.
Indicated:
{"hour": 6, "minute": 27, "second": 36}
